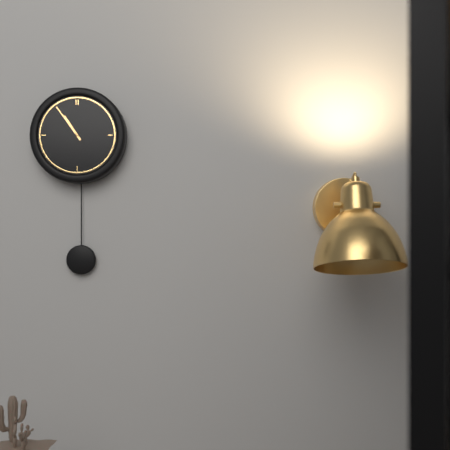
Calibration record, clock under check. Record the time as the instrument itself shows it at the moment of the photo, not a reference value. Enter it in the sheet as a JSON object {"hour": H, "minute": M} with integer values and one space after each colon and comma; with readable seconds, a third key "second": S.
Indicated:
{"hour": 10, "minute": 54}
